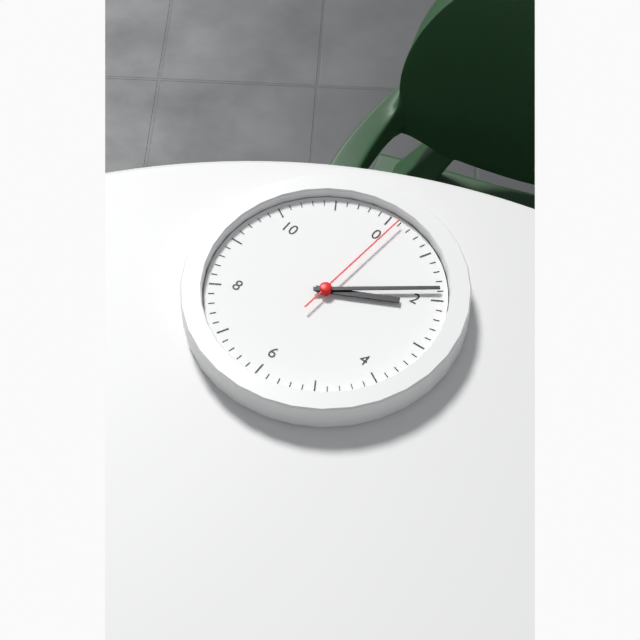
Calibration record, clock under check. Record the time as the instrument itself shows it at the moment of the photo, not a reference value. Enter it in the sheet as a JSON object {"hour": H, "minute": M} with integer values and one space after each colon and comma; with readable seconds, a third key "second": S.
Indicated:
{"hour": 2, "minute": 9, "second": 1}
